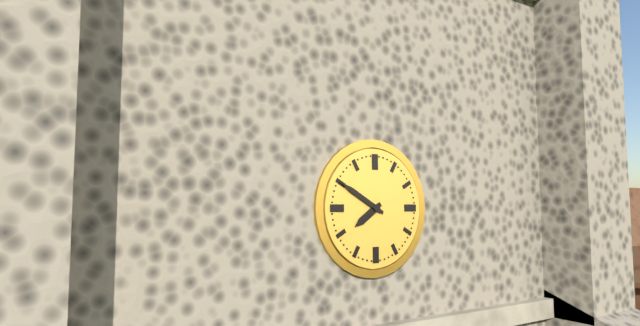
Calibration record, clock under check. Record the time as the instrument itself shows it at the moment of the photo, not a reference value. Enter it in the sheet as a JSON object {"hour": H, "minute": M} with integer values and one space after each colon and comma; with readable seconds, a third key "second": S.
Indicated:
{"hour": 7, "minute": 50}
